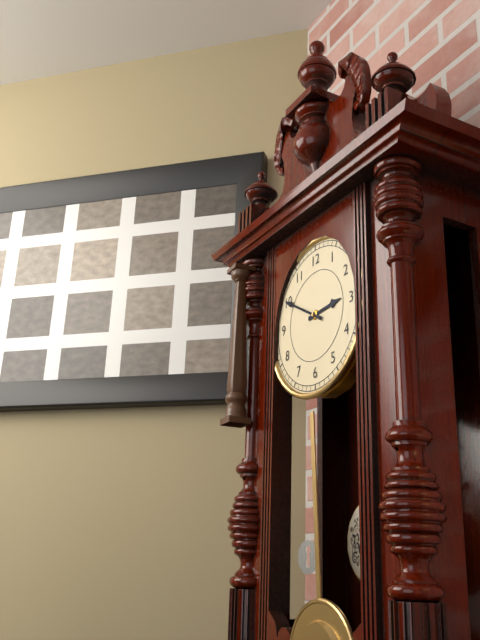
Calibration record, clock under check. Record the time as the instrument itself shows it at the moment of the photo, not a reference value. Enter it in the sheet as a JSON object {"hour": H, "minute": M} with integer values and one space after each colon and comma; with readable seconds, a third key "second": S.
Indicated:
{"hour": 2, "minute": 50}
